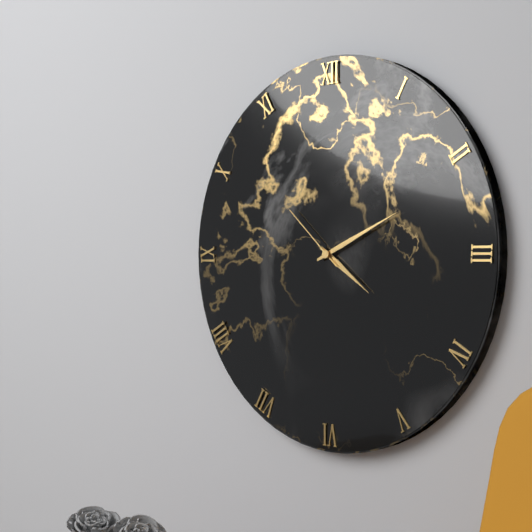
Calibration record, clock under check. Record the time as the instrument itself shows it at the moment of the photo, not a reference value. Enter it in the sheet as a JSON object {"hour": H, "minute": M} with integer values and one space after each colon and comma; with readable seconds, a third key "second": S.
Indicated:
{"hour": 4, "minute": 11, "second": 52}
